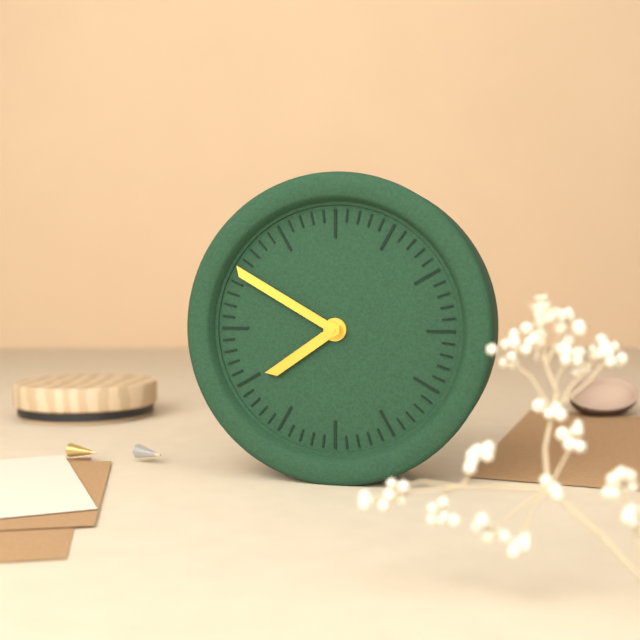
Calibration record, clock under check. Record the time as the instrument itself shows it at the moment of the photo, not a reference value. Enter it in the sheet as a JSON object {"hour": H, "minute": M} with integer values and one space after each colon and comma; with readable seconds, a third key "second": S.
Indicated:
{"hour": 7, "minute": 50}
